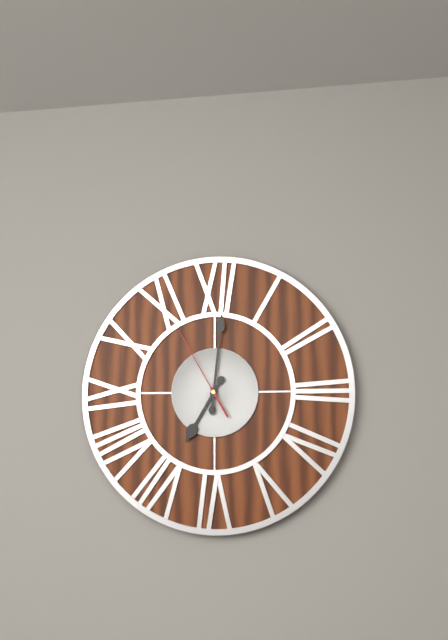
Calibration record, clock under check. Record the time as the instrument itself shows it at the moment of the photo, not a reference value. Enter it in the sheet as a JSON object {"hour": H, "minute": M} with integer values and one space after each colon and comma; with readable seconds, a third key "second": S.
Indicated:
{"hour": 7, "minute": 1, "second": 55}
